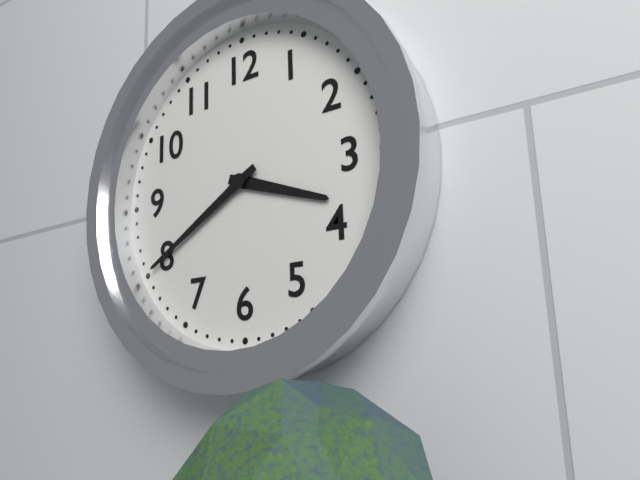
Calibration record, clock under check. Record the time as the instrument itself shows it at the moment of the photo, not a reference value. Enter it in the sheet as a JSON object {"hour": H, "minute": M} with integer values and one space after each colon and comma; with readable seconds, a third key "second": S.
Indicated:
{"hour": 3, "minute": 40}
